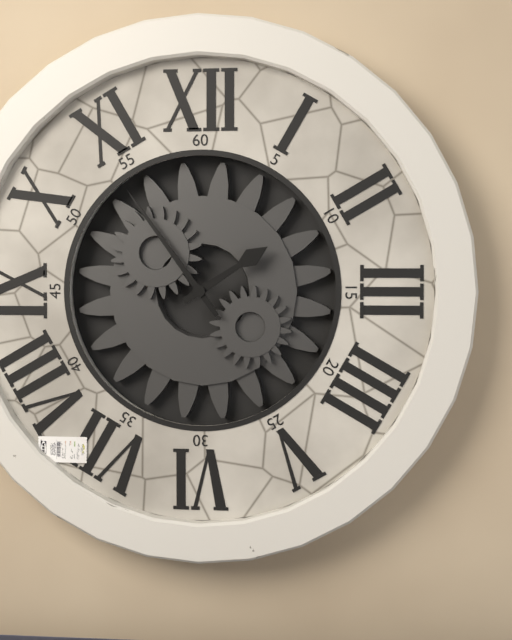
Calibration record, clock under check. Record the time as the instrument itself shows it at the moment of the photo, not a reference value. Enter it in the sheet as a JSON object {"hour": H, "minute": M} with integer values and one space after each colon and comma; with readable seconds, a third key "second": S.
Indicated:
{"hour": 1, "minute": 54}
